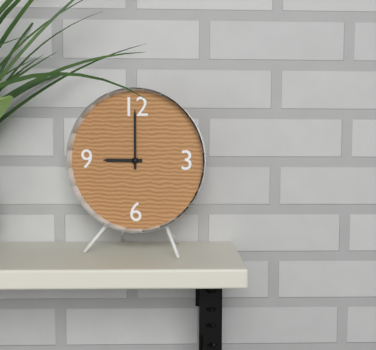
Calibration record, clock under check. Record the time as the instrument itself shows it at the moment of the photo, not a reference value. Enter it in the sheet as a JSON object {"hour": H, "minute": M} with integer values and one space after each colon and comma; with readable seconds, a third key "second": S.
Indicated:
{"hour": 9, "minute": 0}
